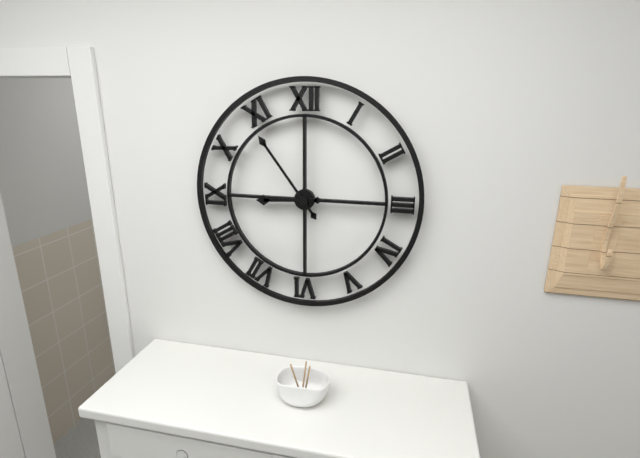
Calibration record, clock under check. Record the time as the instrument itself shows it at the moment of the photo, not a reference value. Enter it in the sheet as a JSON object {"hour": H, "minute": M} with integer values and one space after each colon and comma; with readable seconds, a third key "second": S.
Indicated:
{"hour": 8, "minute": 54}
